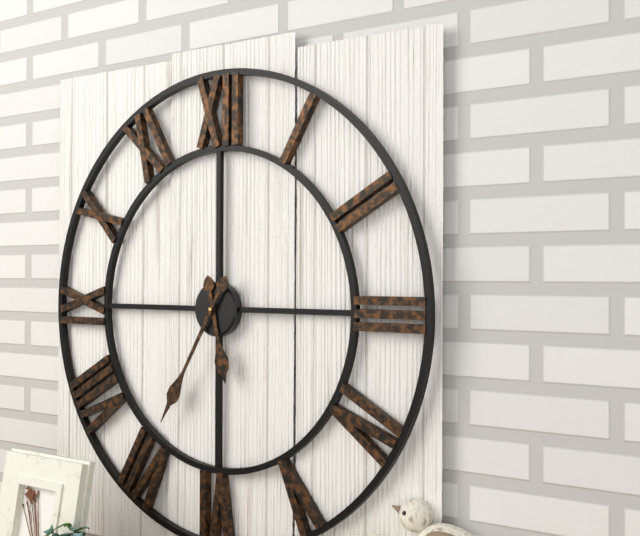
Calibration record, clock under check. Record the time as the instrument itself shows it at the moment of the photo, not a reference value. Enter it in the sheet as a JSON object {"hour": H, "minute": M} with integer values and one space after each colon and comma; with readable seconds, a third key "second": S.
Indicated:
{"hour": 5, "minute": 35}
